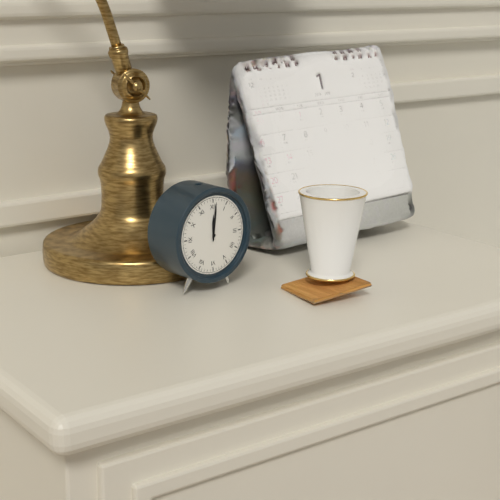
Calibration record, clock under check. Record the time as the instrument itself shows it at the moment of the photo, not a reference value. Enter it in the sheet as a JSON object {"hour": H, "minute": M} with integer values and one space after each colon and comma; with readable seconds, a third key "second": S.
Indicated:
{"hour": 12, "minute": 1}
